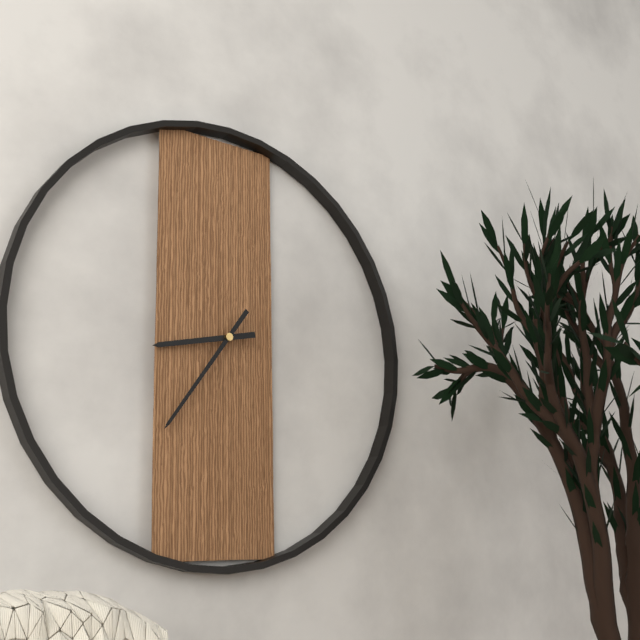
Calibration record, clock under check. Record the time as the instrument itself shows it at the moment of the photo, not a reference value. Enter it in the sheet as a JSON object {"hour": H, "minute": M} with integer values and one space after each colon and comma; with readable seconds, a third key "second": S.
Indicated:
{"hour": 8, "minute": 36}
